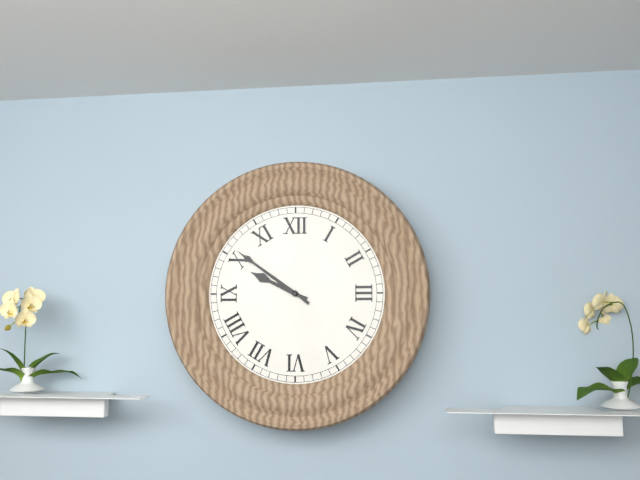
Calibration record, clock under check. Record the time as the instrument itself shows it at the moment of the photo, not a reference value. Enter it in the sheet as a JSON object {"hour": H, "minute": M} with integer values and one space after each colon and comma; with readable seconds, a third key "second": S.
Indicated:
{"hour": 9, "minute": 51}
